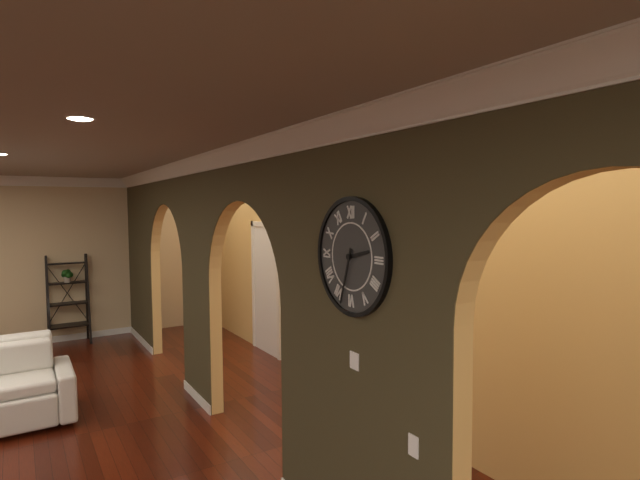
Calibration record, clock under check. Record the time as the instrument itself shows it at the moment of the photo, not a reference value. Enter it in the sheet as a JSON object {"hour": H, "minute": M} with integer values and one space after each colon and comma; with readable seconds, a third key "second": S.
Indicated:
{"hour": 2, "minute": 33}
